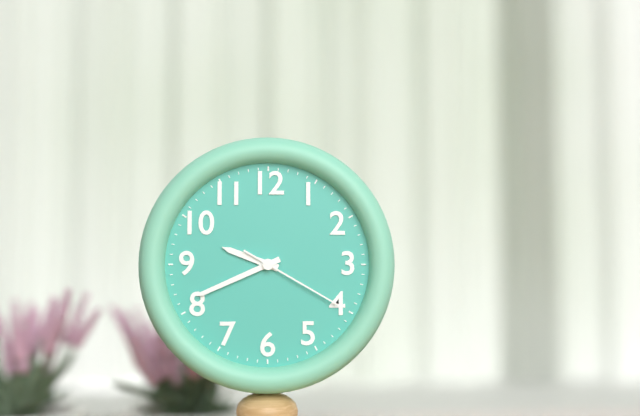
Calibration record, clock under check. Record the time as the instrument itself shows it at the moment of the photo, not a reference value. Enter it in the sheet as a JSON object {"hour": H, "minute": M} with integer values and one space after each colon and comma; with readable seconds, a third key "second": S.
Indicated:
{"hour": 9, "minute": 41, "second": 20}
